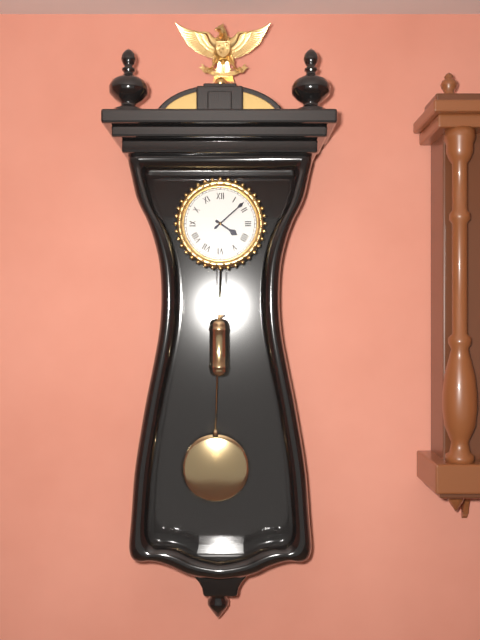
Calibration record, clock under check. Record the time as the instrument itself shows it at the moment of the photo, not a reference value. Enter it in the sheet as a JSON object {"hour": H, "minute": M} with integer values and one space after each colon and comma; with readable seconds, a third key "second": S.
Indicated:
{"hour": 4, "minute": 8}
